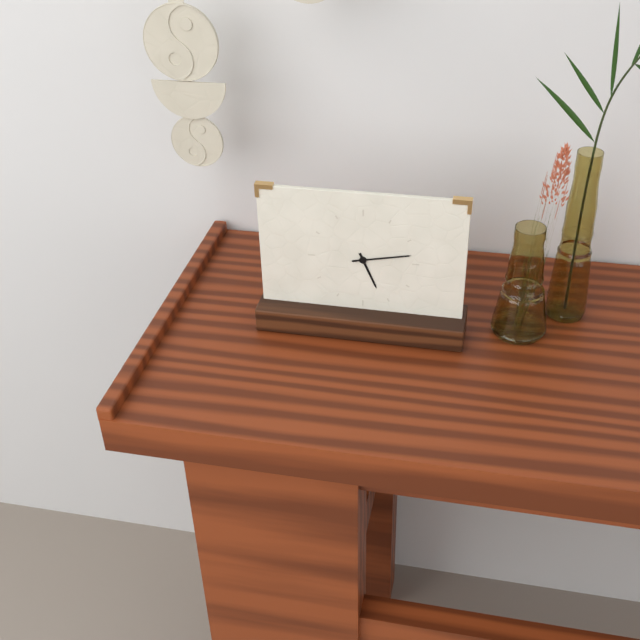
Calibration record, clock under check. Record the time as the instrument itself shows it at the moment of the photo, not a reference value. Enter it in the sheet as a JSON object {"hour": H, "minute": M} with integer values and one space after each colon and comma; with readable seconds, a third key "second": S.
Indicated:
{"hour": 5, "minute": 13}
